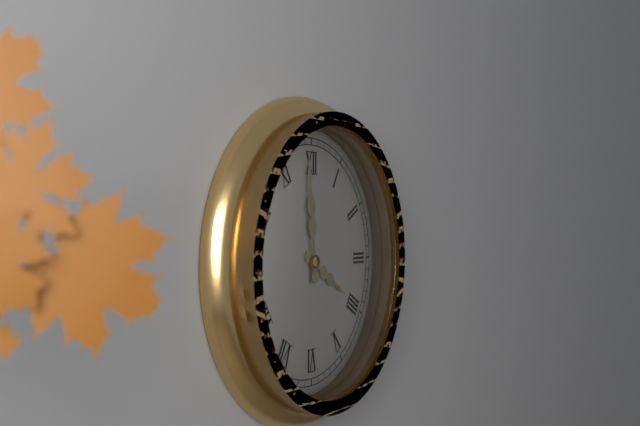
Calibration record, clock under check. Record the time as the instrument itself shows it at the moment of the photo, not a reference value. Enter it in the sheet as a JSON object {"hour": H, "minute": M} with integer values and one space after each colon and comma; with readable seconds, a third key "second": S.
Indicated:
{"hour": 3, "minute": 59}
